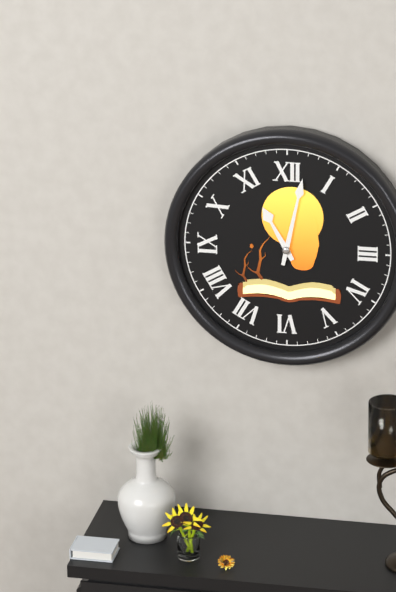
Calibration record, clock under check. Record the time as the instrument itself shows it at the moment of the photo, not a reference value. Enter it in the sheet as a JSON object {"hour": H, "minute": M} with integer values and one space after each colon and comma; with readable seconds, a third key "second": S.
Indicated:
{"hour": 11, "minute": 2}
